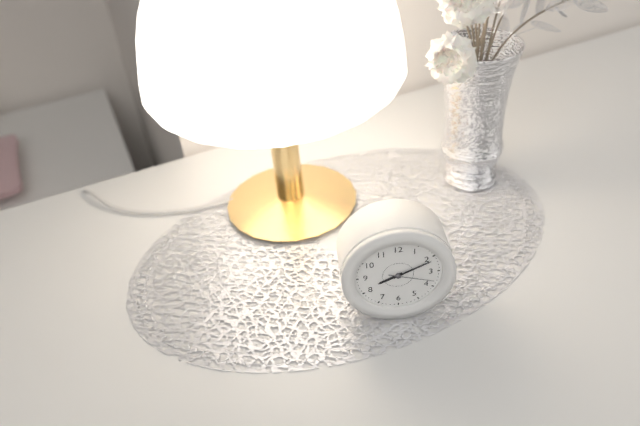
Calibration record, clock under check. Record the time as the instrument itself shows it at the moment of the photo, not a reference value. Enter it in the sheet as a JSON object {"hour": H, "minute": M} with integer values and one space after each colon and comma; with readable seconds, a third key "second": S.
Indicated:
{"hour": 8, "minute": 11}
